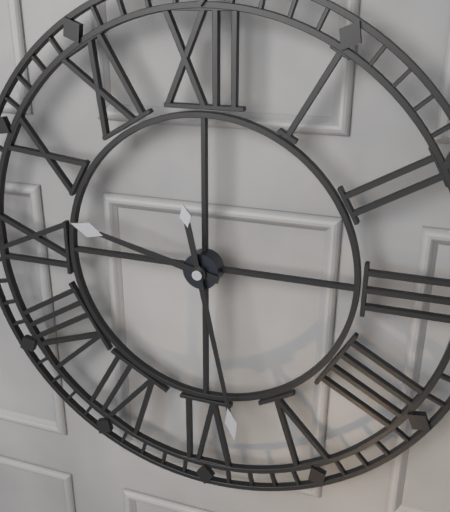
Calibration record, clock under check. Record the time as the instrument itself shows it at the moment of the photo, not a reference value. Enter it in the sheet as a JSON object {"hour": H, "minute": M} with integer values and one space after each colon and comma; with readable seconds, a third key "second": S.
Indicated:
{"hour": 9, "minute": 28}
